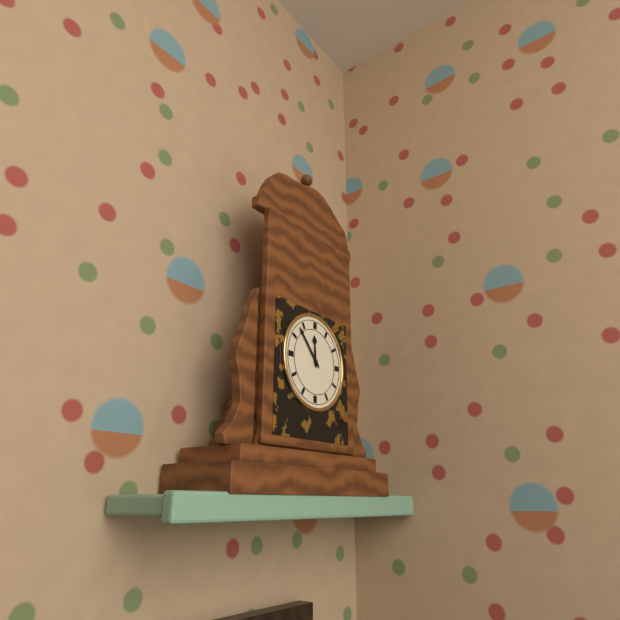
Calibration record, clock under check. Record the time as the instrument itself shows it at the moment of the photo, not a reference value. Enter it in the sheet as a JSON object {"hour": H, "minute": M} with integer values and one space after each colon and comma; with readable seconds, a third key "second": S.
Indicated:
{"hour": 11, "minute": 53}
